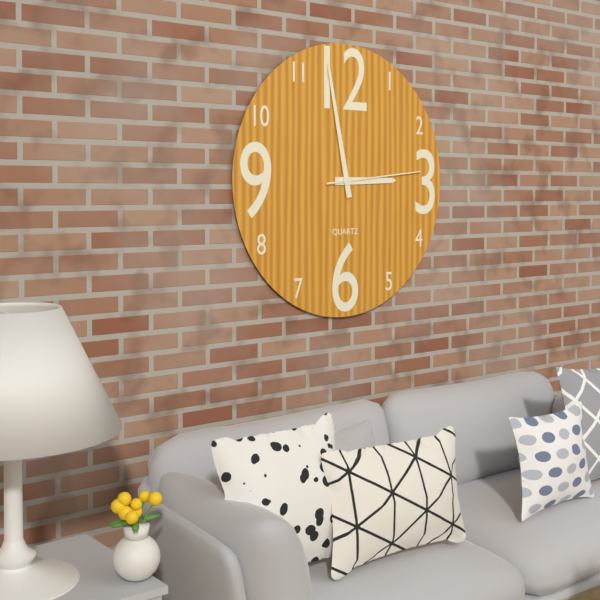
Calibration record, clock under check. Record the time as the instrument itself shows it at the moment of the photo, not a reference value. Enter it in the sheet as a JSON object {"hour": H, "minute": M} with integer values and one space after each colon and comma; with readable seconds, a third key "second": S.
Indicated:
{"hour": 2, "minute": 58, "second": 14}
